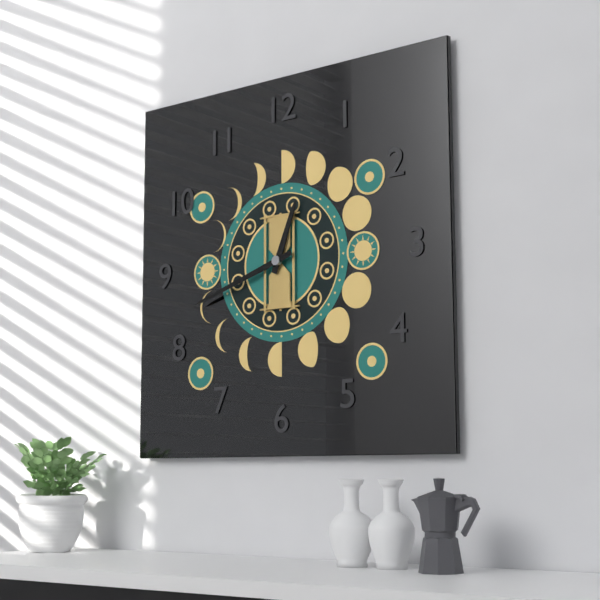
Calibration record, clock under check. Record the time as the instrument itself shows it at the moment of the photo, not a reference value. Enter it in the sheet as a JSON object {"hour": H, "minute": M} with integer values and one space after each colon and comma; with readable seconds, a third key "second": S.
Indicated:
{"hour": 12, "minute": 42}
